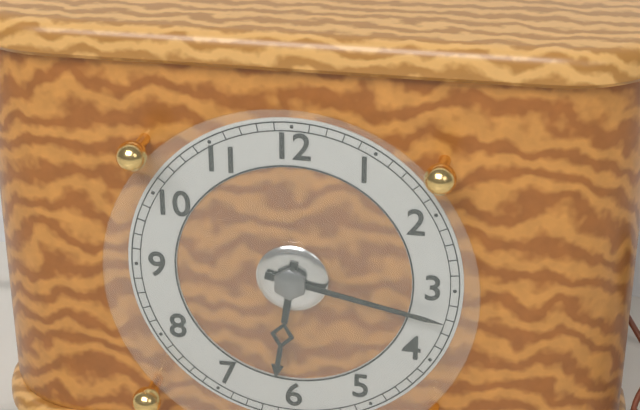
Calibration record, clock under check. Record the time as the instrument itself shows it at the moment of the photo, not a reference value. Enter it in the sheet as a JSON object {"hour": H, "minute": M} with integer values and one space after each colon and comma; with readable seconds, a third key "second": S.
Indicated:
{"hour": 6, "minute": 17}
